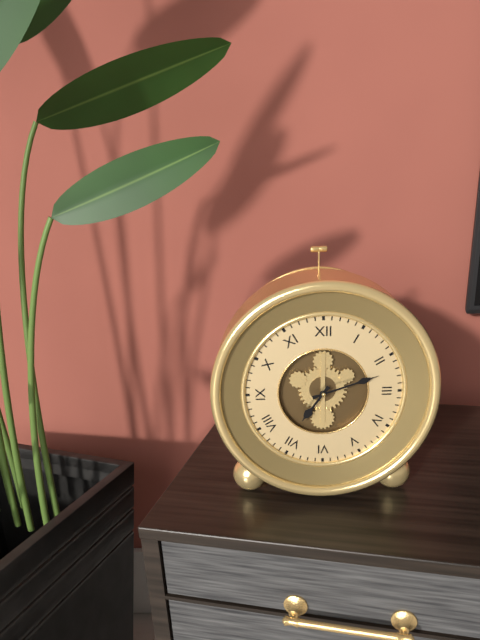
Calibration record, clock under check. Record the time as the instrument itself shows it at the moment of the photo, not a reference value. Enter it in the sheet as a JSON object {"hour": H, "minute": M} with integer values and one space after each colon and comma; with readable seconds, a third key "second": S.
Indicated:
{"hour": 7, "minute": 12}
